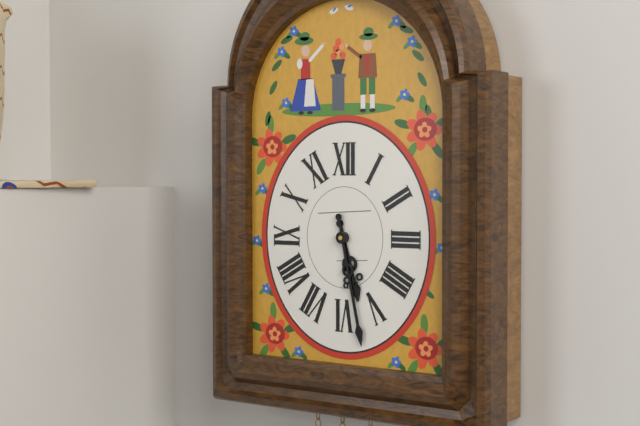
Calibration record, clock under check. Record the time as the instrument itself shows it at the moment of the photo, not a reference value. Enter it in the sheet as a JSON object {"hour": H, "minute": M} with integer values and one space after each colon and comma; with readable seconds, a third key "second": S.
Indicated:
{"hour": 5, "minute": 28}
